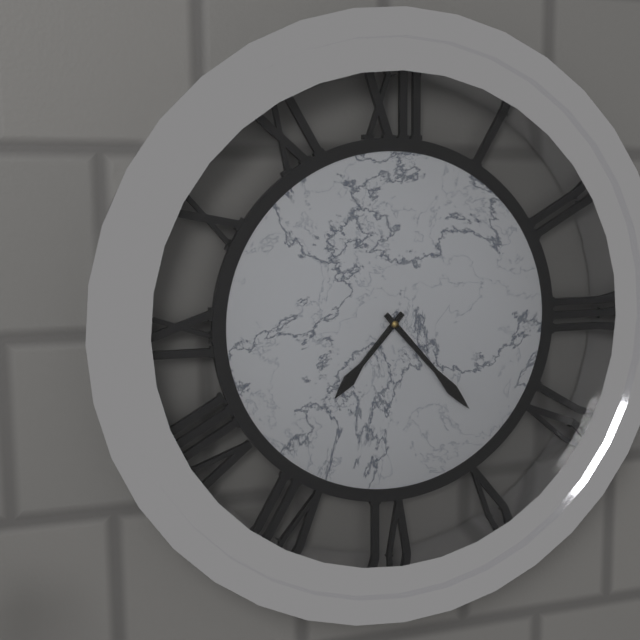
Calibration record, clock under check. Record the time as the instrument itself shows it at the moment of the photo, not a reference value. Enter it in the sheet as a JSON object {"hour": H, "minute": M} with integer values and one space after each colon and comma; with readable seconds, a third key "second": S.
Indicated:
{"hour": 7, "minute": 23}
